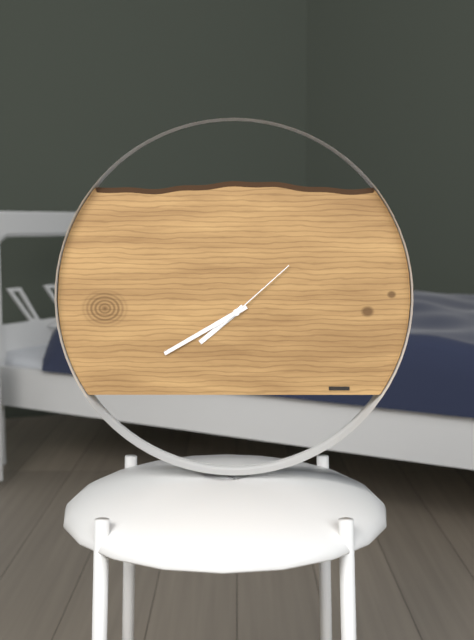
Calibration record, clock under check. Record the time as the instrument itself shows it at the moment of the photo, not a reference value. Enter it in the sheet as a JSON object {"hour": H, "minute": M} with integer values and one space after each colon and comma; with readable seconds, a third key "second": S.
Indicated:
{"hour": 7, "minute": 40, "second": 8}
